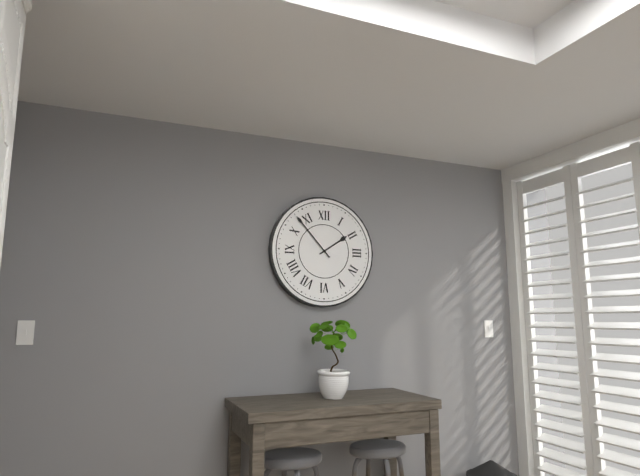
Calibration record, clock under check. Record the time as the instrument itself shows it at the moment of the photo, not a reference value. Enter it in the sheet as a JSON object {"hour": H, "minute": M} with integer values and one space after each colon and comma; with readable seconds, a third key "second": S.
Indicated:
{"hour": 1, "minute": 53}
